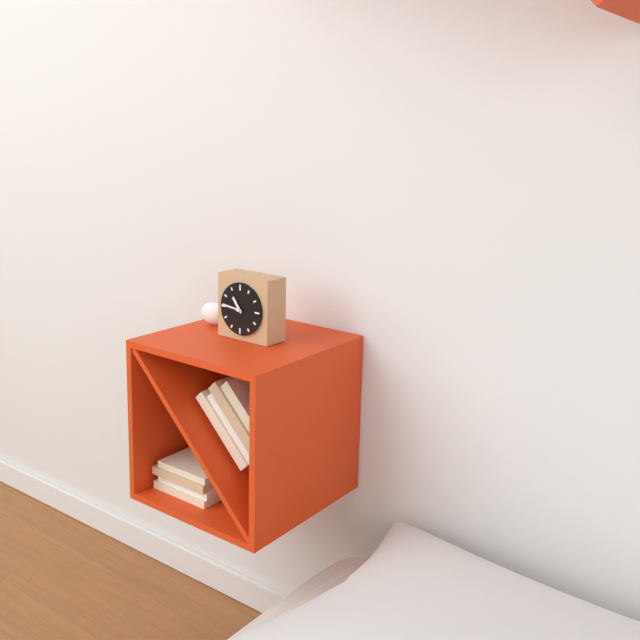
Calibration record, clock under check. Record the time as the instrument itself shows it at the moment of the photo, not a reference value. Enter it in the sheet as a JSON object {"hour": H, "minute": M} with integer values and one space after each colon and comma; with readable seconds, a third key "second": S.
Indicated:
{"hour": 10, "minute": 46}
